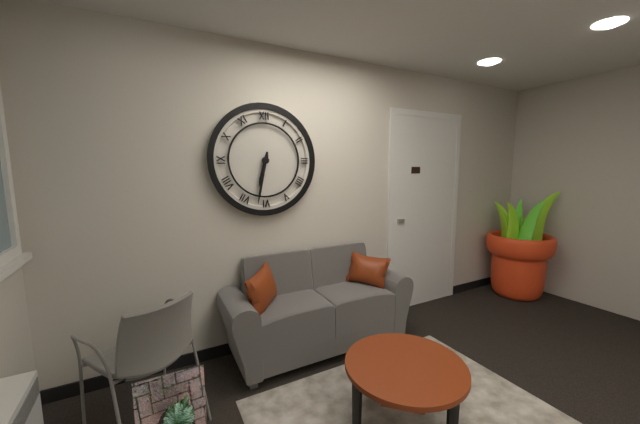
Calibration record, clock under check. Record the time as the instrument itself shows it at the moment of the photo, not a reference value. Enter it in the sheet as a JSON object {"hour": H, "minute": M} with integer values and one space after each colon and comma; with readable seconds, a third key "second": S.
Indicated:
{"hour": 6, "minute": 32}
